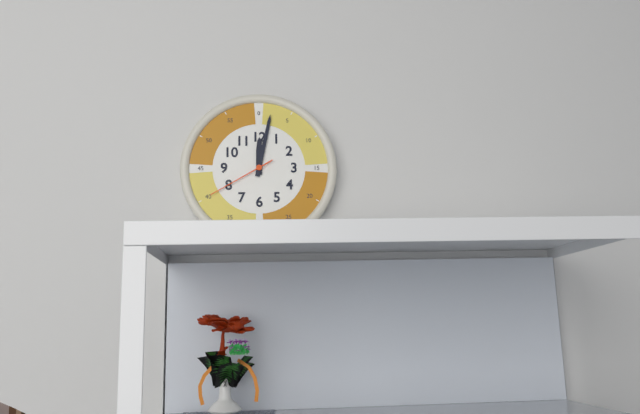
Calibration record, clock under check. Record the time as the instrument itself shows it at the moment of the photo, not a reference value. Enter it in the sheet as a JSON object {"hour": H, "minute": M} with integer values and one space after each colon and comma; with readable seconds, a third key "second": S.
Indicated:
{"hour": 12, "minute": 2, "second": 40}
